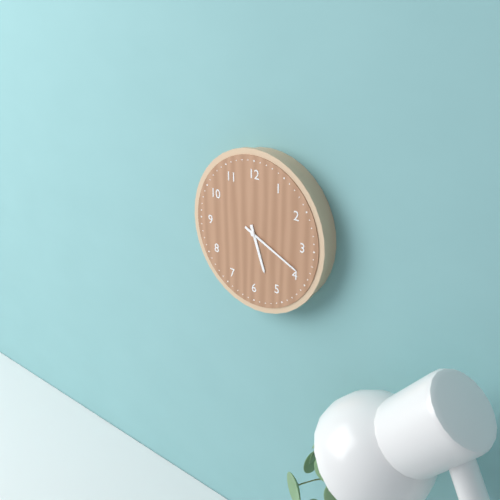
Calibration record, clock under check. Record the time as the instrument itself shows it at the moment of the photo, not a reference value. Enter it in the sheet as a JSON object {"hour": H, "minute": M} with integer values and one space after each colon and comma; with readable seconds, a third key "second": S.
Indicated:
{"hour": 5, "minute": 19}
